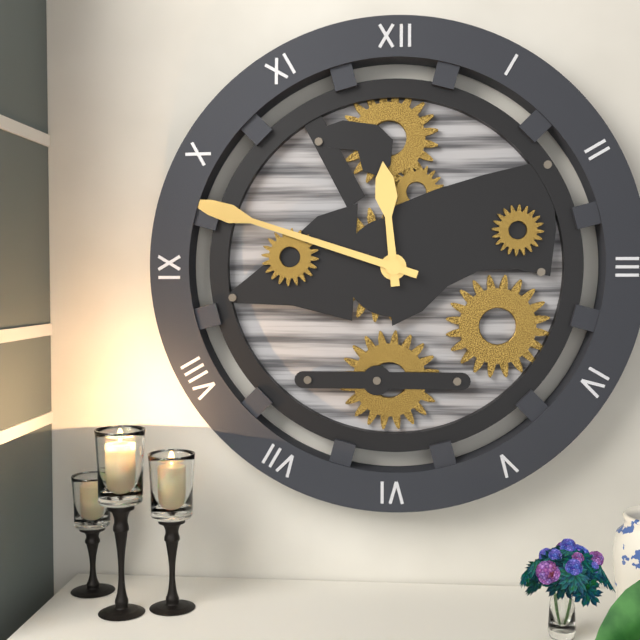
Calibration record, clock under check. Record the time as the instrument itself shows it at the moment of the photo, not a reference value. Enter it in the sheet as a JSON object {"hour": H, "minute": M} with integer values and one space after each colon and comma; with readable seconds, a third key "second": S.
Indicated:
{"hour": 11, "minute": 48}
